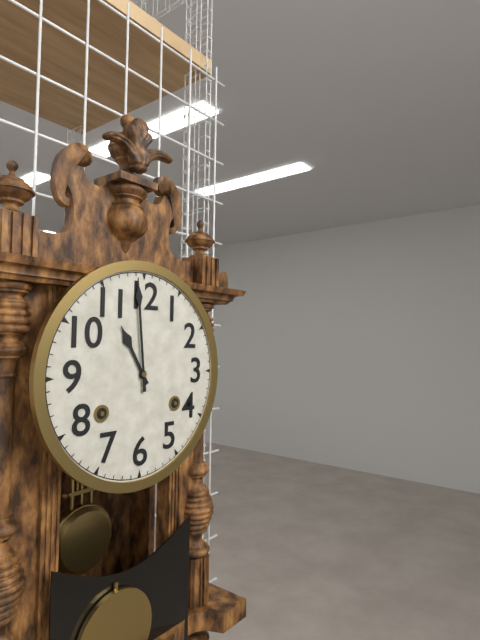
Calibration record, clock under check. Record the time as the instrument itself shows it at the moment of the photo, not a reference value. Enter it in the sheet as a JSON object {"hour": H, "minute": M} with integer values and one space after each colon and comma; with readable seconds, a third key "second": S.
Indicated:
{"hour": 10, "minute": 59}
